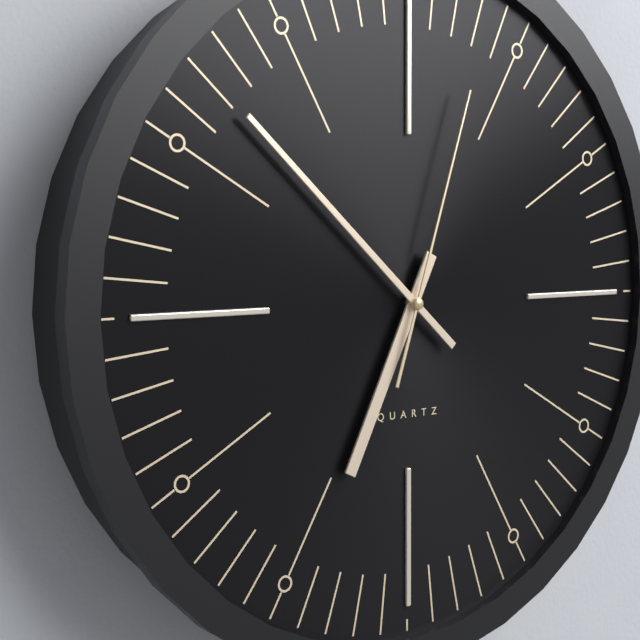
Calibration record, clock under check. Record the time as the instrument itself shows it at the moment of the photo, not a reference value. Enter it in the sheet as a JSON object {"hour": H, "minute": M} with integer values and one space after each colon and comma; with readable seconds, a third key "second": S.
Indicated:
{"hour": 6, "minute": 52, "second": 3}
